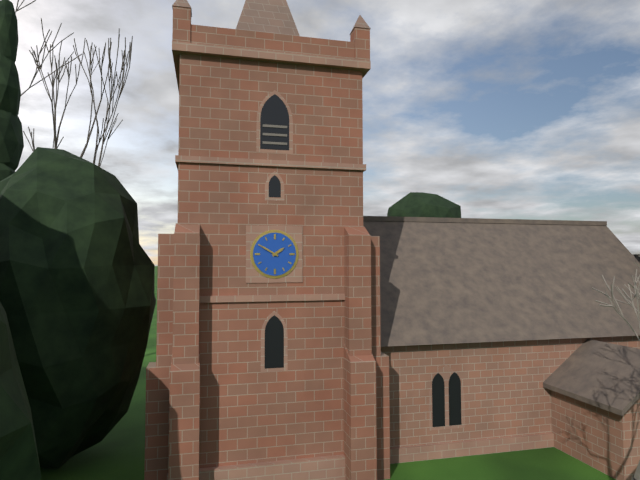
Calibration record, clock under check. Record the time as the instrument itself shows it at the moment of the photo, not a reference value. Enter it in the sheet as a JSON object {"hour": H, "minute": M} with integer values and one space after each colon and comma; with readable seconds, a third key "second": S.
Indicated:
{"hour": 1, "minute": 50}
